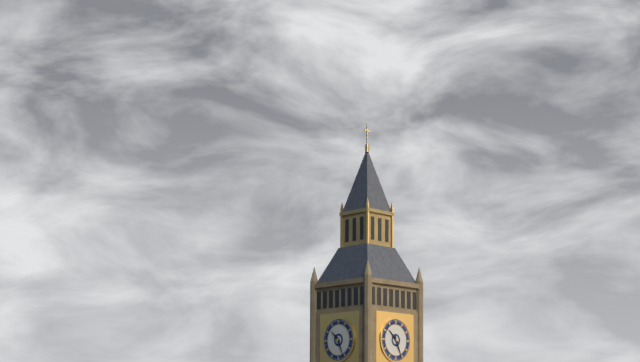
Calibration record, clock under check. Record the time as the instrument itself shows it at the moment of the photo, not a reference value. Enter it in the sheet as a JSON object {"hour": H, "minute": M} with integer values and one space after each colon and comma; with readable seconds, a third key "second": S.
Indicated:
{"hour": 10, "minute": 26}
